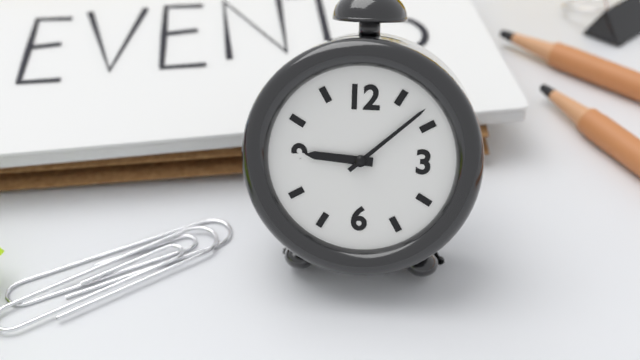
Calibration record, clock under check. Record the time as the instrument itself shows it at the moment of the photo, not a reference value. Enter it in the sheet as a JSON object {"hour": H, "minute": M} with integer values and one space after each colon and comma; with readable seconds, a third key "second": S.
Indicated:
{"hour": 9, "minute": 8}
